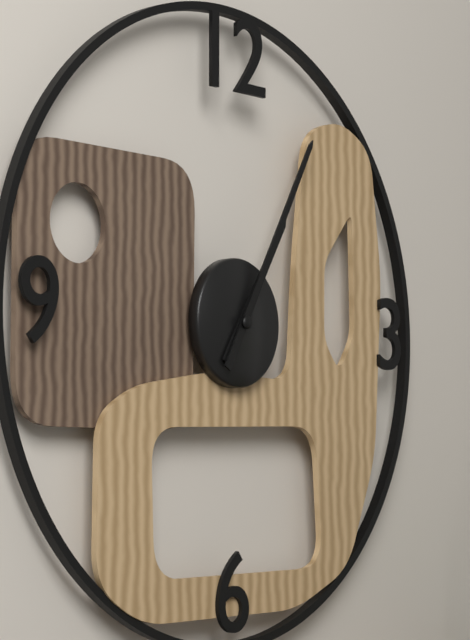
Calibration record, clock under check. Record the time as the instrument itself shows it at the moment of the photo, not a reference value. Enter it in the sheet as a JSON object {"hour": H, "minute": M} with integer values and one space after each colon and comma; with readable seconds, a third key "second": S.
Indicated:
{"hour": 1, "minute": 5}
